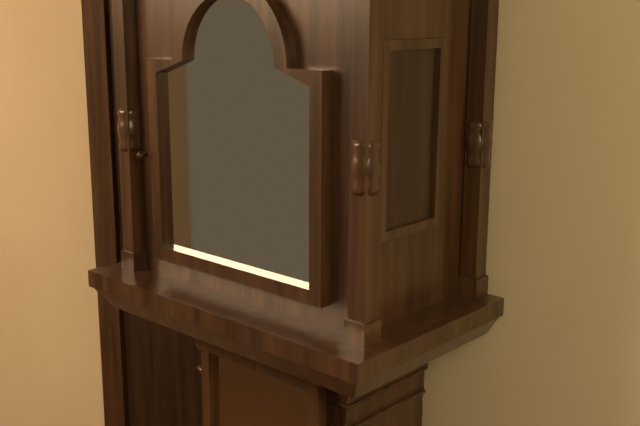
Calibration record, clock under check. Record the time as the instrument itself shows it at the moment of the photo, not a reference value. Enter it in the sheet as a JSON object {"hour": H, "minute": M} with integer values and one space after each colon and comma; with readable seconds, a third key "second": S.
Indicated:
{"hour": 1, "minute": 45}
